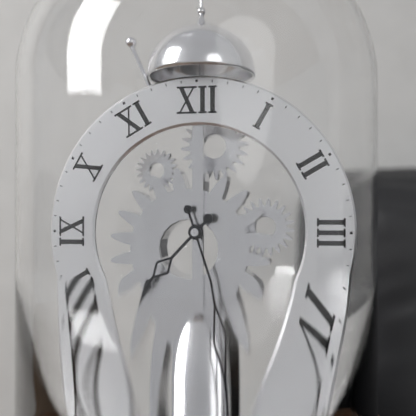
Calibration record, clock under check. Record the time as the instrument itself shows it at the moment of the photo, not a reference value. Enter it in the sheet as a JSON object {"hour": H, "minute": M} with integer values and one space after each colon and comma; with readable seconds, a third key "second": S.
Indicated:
{"hour": 7, "minute": 27}
